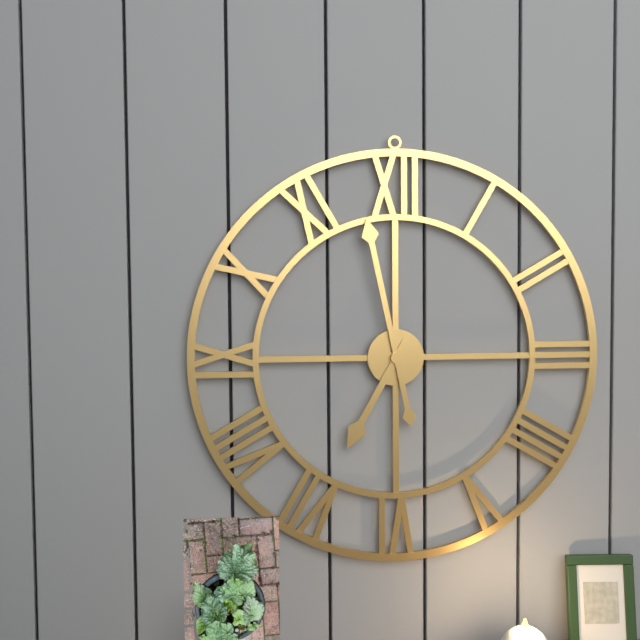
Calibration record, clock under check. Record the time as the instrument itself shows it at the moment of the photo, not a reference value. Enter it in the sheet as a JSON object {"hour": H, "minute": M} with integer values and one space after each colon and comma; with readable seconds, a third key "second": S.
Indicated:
{"hour": 6, "minute": 58}
